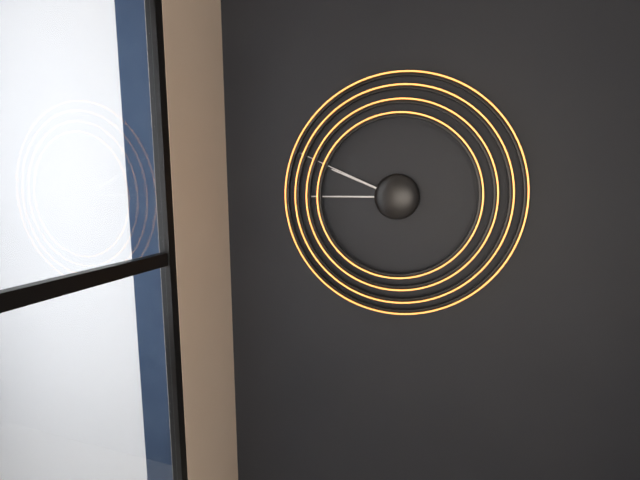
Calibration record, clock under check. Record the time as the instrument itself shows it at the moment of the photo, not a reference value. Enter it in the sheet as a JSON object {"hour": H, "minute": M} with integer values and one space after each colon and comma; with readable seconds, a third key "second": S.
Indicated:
{"hour": 9, "minute": 45, "second": 49}
